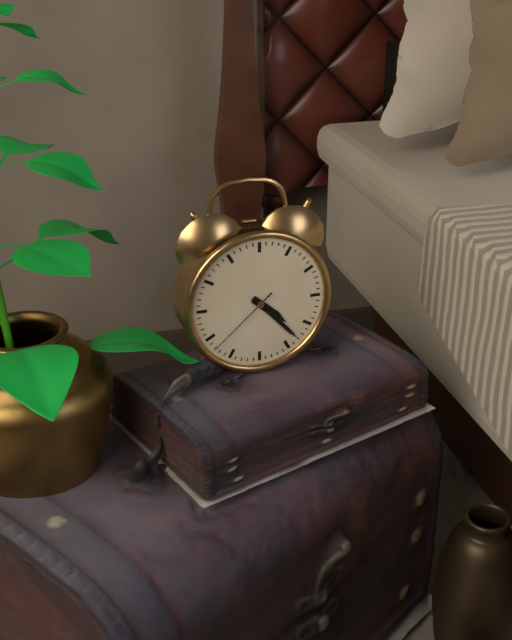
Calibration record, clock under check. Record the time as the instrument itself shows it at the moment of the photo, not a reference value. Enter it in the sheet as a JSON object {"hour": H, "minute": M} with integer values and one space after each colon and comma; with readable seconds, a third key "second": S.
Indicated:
{"hour": 4, "minute": 23, "second": 38}
